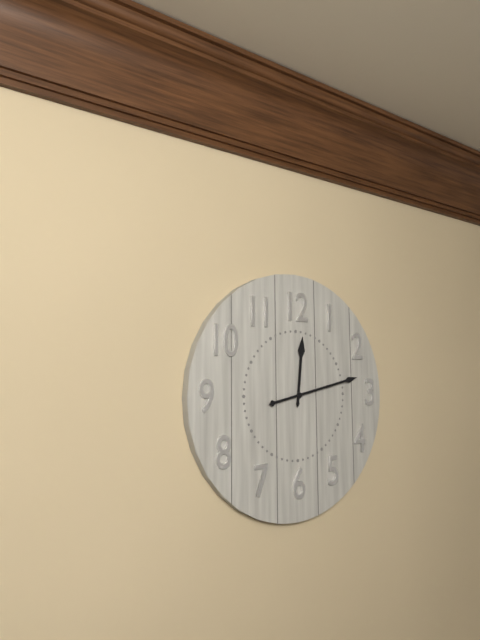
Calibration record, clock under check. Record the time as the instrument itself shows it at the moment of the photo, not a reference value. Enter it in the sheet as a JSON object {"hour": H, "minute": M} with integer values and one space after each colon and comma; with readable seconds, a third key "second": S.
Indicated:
{"hour": 12, "minute": 13}
